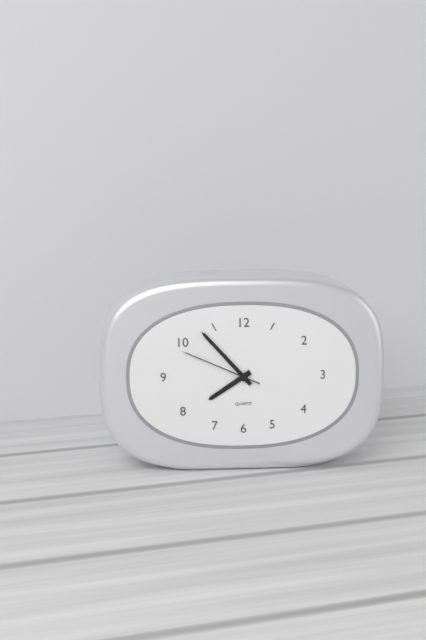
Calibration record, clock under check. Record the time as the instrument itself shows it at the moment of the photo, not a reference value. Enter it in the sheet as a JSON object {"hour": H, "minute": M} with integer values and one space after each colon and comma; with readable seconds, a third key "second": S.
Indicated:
{"hour": 7, "minute": 53, "second": 49}
